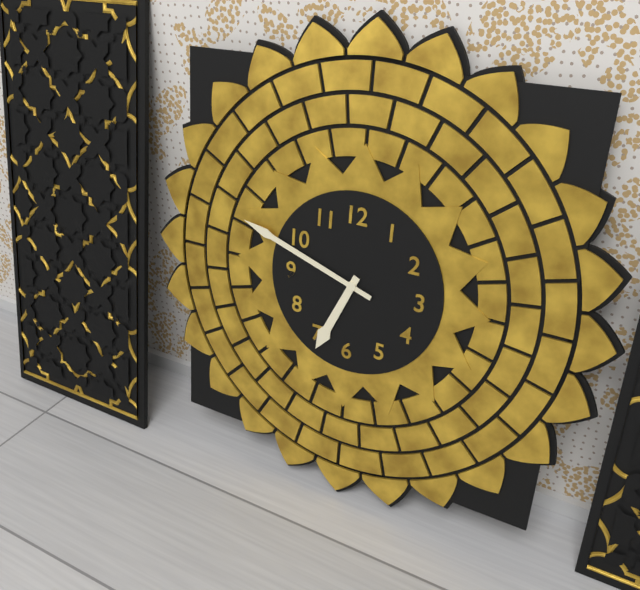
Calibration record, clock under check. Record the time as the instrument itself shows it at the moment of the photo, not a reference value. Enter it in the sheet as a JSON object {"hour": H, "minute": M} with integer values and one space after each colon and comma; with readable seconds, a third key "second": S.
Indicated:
{"hour": 6, "minute": 48}
